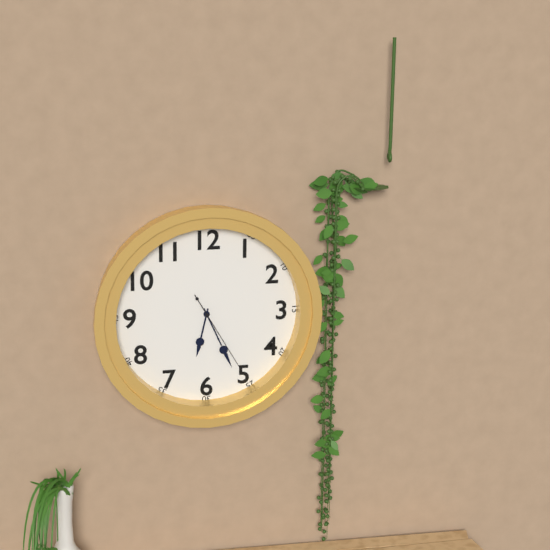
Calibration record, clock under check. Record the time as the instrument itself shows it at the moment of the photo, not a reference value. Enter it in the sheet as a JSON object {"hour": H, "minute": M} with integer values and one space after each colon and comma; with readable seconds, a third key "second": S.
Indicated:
{"hour": 6, "minute": 26, "second": 25}
